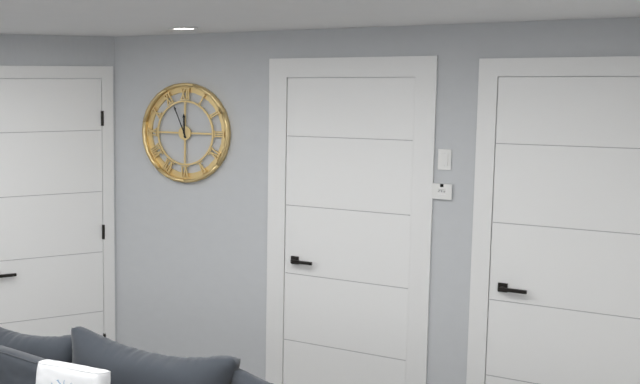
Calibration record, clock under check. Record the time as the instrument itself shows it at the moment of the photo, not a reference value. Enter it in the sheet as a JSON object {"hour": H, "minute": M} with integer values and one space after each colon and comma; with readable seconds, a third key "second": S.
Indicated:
{"hour": 11, "minute": 56}
